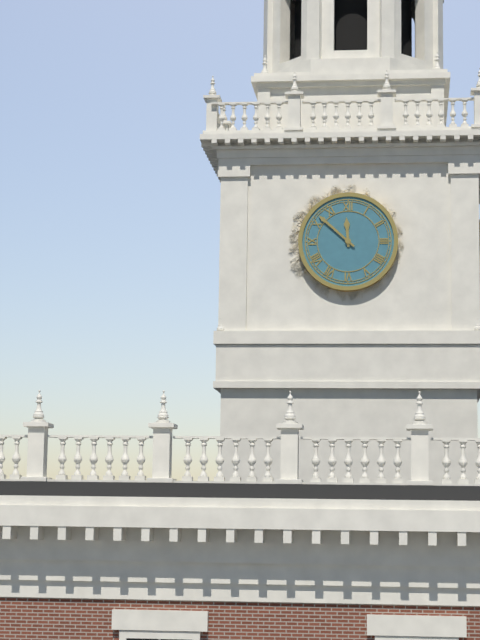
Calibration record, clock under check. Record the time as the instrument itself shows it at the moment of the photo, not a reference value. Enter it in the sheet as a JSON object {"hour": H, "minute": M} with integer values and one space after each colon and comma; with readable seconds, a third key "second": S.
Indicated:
{"hour": 11, "minute": 52}
